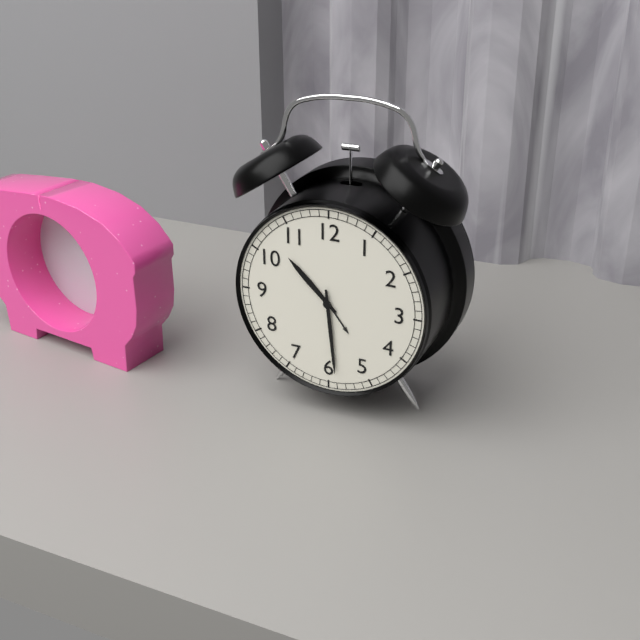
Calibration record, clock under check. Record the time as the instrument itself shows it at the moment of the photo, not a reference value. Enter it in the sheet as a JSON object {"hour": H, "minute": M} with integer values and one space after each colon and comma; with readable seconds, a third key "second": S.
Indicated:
{"hour": 10, "minute": 29}
